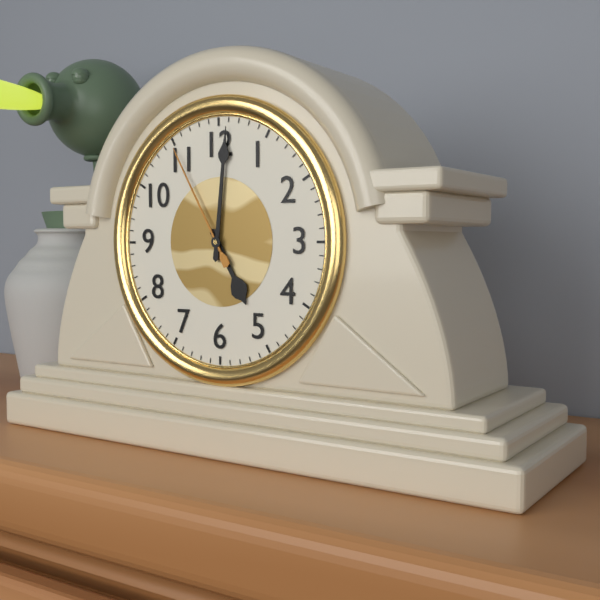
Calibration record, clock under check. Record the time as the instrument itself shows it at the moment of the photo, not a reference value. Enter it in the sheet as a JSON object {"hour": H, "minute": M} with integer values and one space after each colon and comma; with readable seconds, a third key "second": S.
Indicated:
{"hour": 5, "minute": 1, "second": 55}
